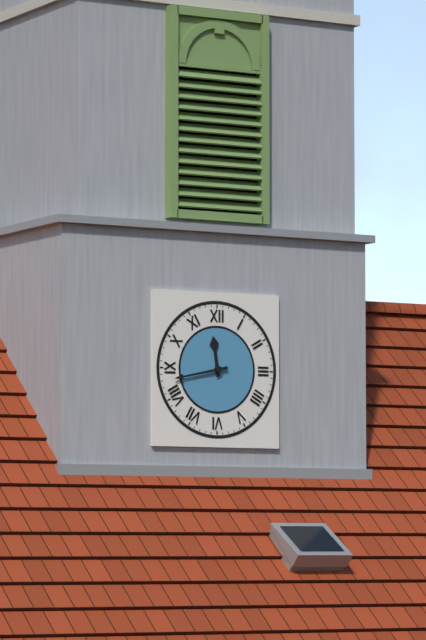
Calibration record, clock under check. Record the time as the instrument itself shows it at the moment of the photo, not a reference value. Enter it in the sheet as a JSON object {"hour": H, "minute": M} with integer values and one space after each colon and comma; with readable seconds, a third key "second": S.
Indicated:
{"hour": 11, "minute": 43}
